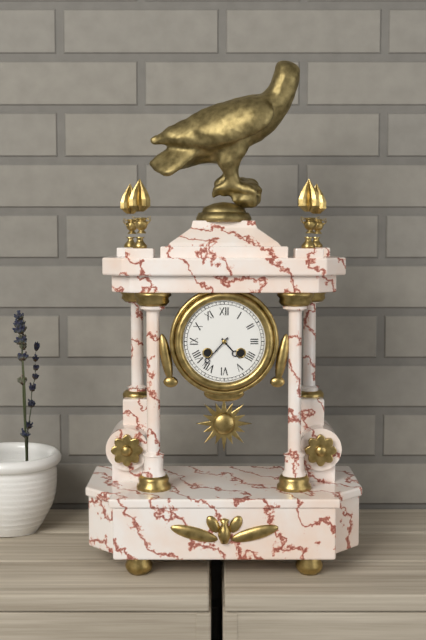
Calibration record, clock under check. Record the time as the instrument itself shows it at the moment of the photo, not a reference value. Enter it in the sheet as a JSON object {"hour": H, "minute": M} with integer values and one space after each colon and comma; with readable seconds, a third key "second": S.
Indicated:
{"hour": 4, "minute": 37}
